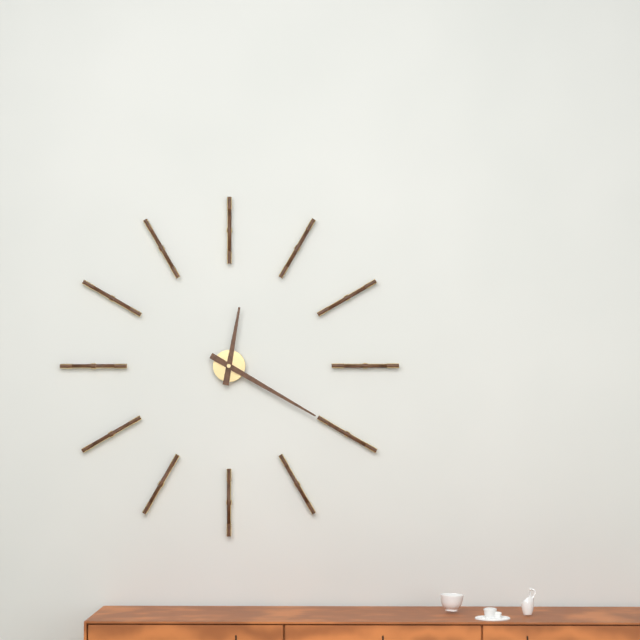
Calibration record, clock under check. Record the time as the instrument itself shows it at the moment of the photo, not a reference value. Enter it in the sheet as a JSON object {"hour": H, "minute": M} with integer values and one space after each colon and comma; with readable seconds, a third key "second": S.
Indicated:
{"hour": 12, "minute": 20}
